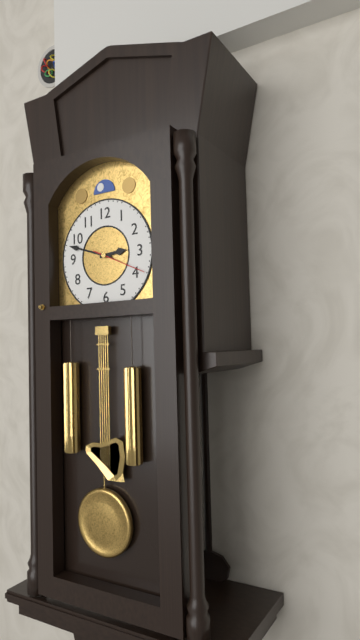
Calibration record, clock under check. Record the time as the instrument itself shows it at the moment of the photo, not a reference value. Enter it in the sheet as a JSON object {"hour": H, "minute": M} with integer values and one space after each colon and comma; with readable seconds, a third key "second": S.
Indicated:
{"hour": 2, "minute": 48, "second": 19}
